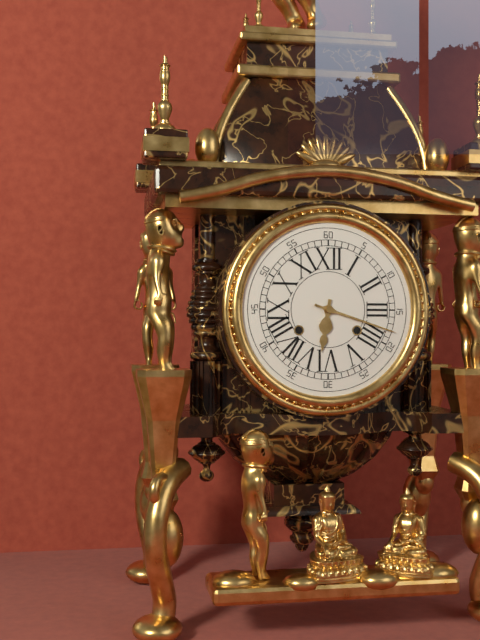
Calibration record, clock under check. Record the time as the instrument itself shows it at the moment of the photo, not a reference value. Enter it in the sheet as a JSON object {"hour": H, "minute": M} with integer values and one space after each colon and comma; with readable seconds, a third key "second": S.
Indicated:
{"hour": 6, "minute": 18}
